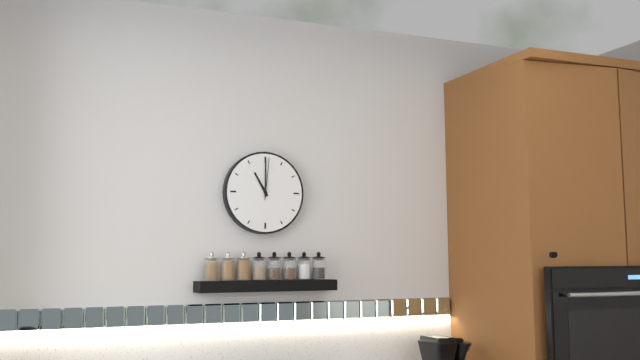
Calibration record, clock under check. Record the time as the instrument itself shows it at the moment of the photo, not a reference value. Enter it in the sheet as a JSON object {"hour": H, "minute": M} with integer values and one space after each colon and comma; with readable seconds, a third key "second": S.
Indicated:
{"hour": 11, "minute": 0}
